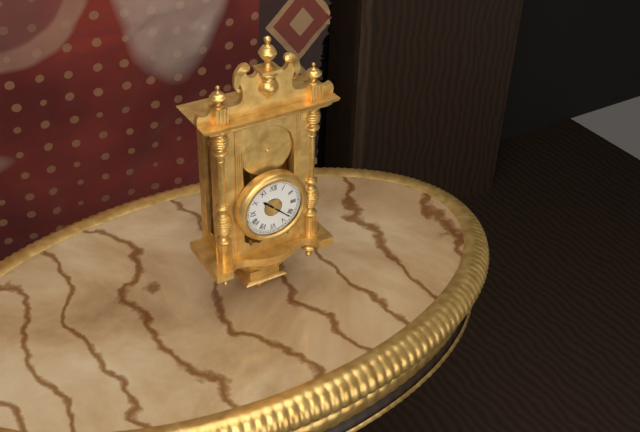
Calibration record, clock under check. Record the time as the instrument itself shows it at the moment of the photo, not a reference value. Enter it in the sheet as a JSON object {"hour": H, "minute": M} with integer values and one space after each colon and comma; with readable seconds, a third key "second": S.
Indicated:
{"hour": 10, "minute": 22}
